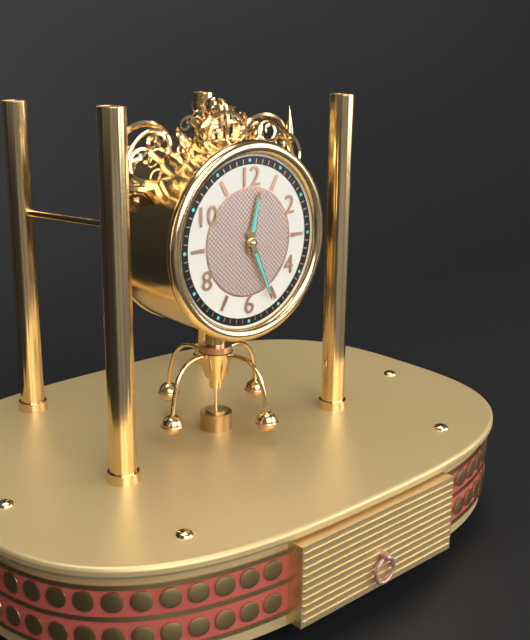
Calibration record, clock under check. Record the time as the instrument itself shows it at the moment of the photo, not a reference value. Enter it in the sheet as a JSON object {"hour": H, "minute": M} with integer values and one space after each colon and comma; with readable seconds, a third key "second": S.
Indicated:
{"hour": 12, "minute": 26}
